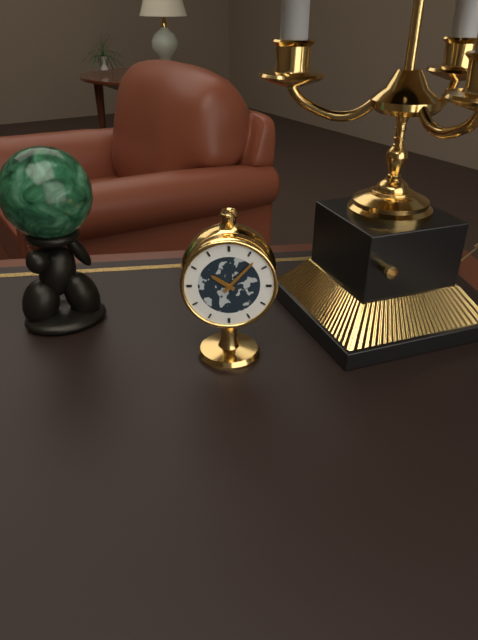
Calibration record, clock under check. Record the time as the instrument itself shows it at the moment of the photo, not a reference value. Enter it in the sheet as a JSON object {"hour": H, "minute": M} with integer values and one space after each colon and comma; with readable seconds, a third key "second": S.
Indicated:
{"hour": 10, "minute": 7}
